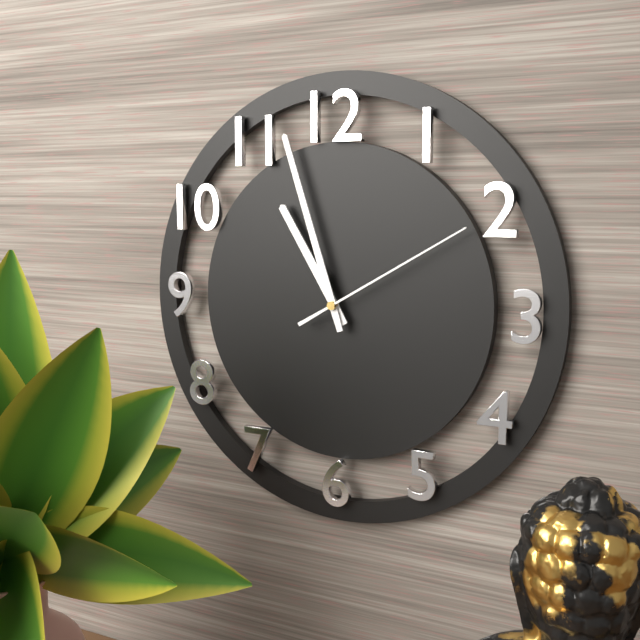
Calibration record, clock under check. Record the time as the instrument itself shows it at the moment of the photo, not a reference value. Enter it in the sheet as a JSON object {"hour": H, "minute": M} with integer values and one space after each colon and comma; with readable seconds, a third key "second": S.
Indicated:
{"hour": 10, "minute": 57, "second": 10}
